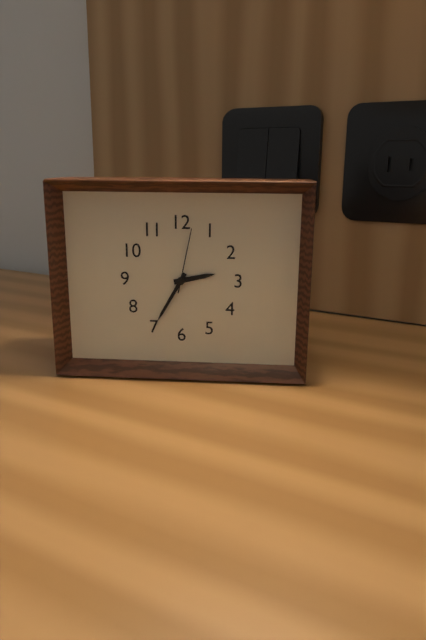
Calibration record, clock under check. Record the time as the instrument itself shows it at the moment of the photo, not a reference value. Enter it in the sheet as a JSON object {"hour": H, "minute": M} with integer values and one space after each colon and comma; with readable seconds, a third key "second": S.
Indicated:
{"hour": 2, "minute": 35, "second": 2}
